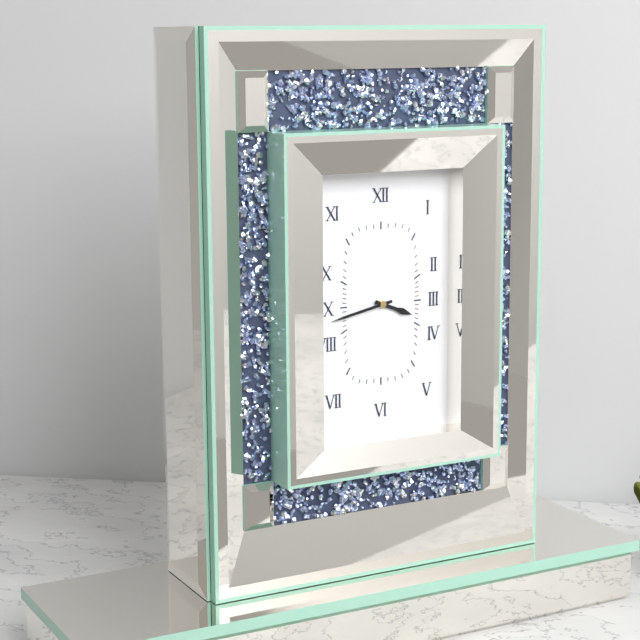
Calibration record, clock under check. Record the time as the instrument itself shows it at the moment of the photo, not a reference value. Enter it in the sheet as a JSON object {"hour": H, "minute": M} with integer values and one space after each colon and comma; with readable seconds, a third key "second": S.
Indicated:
{"hour": 3, "minute": 43}
